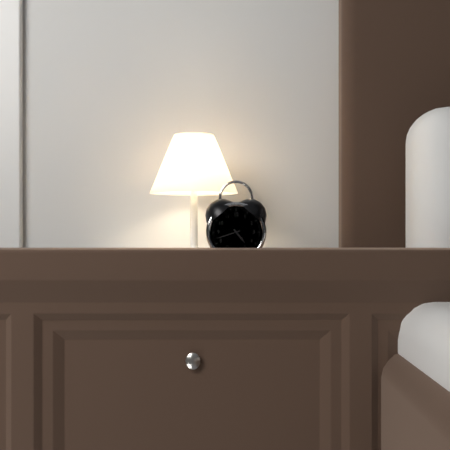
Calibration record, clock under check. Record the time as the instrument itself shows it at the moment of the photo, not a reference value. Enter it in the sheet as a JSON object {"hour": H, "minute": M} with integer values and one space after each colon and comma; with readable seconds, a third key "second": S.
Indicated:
{"hour": 4, "minute": 42}
